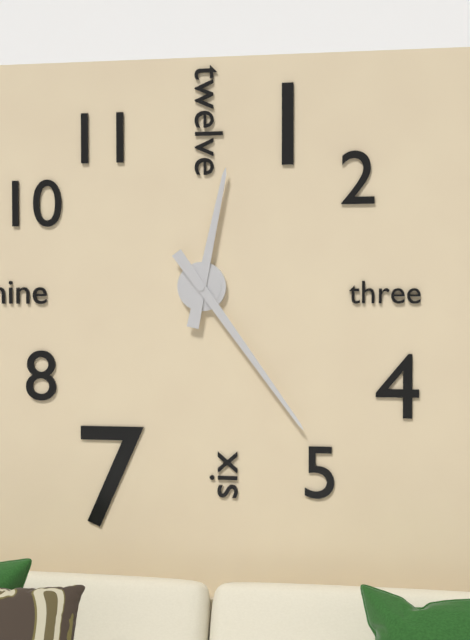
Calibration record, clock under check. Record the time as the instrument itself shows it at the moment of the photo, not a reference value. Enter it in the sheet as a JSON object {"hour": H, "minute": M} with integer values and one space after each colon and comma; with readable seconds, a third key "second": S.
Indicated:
{"hour": 12, "minute": 24}
